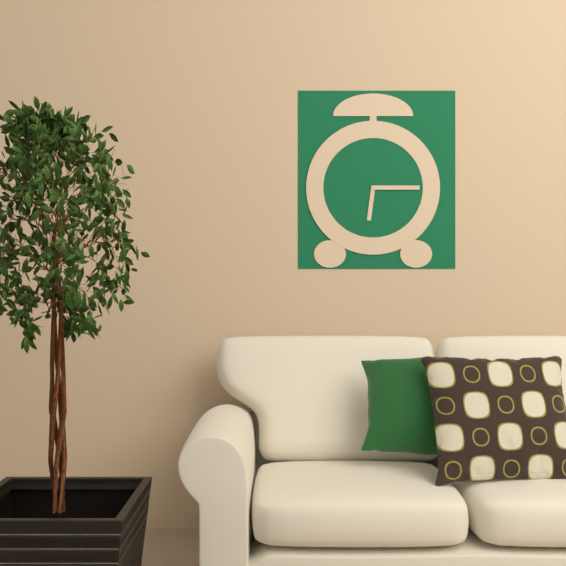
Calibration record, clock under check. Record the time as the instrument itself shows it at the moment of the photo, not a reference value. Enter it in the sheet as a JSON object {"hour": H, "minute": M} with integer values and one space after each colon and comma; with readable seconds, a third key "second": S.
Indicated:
{"hour": 6, "minute": 15}
